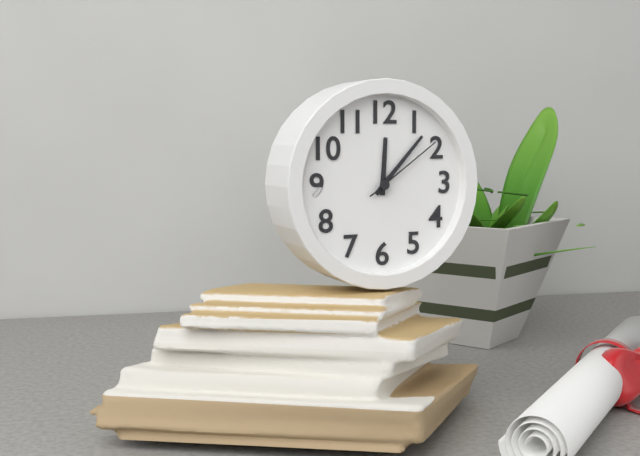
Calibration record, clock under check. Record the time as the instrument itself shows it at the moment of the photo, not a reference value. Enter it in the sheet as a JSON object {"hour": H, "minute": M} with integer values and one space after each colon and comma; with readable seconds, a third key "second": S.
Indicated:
{"hour": 12, "minute": 7, "second": 9}
